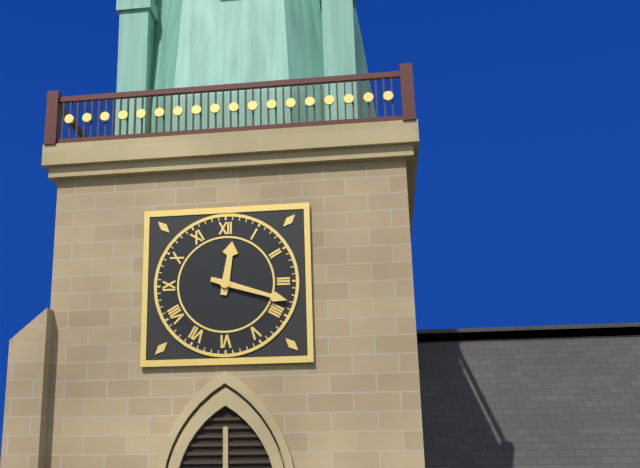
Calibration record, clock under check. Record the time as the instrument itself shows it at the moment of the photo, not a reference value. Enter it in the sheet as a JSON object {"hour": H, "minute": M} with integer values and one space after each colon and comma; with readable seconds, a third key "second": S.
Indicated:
{"hour": 12, "minute": 18}
